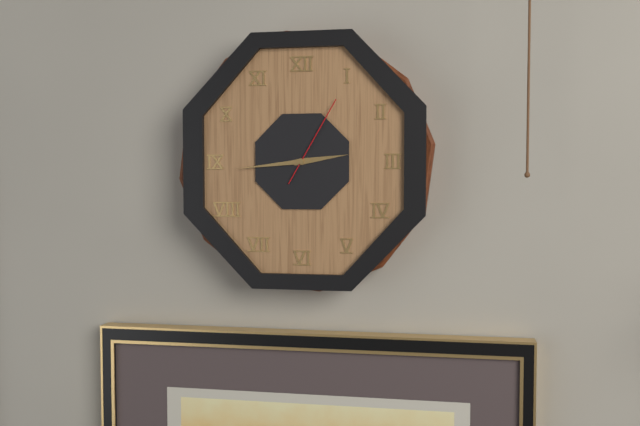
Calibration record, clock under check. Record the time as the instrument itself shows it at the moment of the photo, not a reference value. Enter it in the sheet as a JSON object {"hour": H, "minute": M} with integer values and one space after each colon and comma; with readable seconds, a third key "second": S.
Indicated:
{"hour": 2, "minute": 44, "second": 5}
